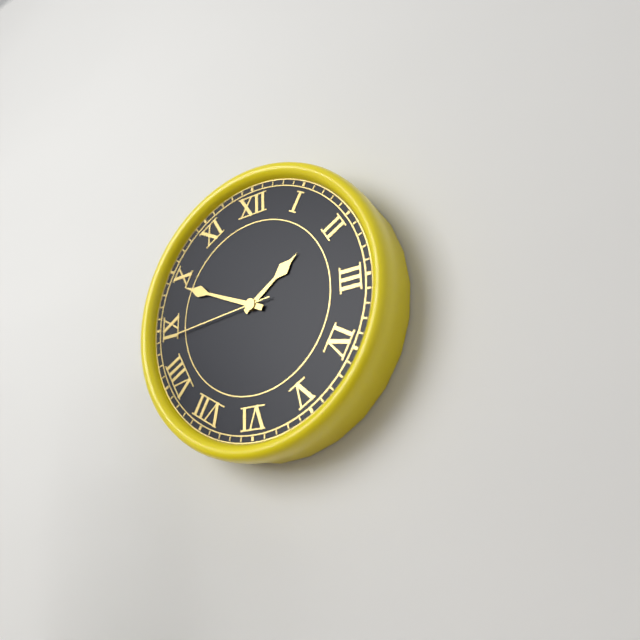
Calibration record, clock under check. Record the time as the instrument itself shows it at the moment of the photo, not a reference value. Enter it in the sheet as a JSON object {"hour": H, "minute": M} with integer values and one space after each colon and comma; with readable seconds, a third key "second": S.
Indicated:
{"hour": 1, "minute": 49, "second": 44}
